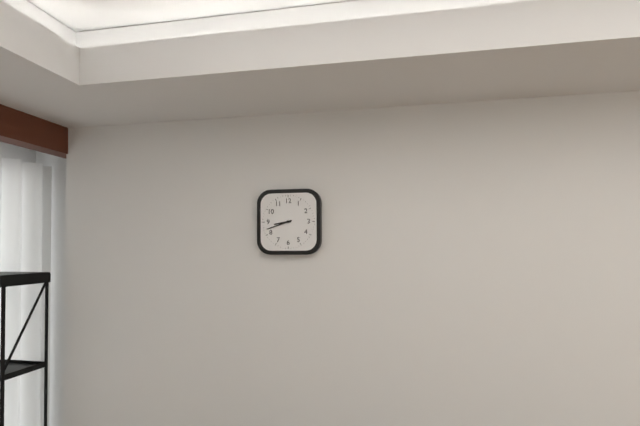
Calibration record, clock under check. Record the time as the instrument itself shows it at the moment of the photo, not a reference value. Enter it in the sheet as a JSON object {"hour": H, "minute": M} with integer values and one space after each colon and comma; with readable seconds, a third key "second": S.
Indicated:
{"hour": 8, "minute": 42}
